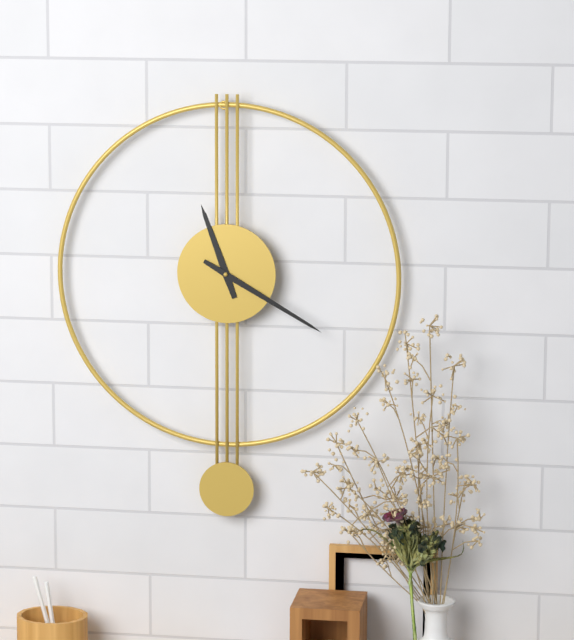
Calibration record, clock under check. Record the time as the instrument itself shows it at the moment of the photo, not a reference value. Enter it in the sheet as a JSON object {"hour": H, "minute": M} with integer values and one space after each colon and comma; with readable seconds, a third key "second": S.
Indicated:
{"hour": 11, "minute": 20}
